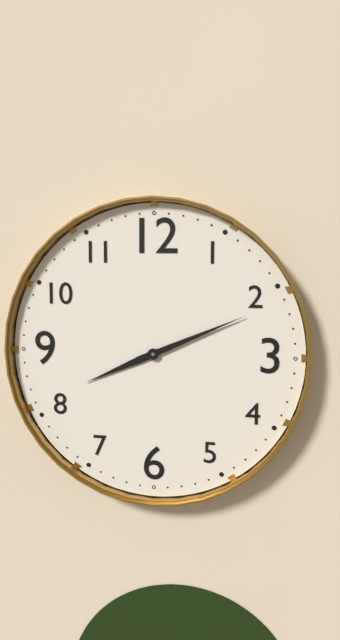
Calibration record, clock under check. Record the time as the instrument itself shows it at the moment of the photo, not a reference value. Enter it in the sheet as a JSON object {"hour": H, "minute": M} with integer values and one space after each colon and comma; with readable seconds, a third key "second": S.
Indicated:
{"hour": 8, "minute": 11}
